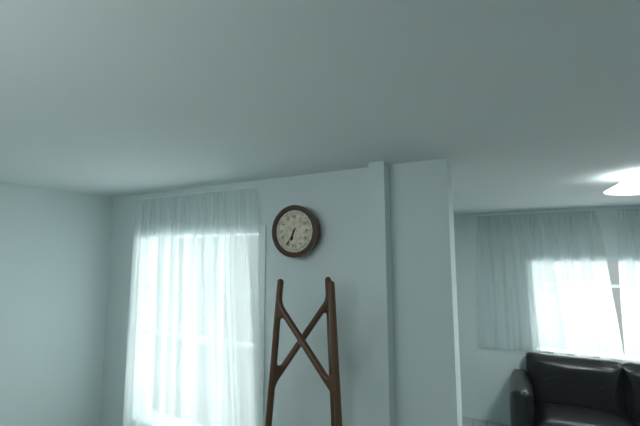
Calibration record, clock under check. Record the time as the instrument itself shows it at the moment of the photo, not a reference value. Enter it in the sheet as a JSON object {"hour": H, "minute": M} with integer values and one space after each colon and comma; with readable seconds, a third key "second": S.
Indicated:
{"hour": 6, "minute": 35}
